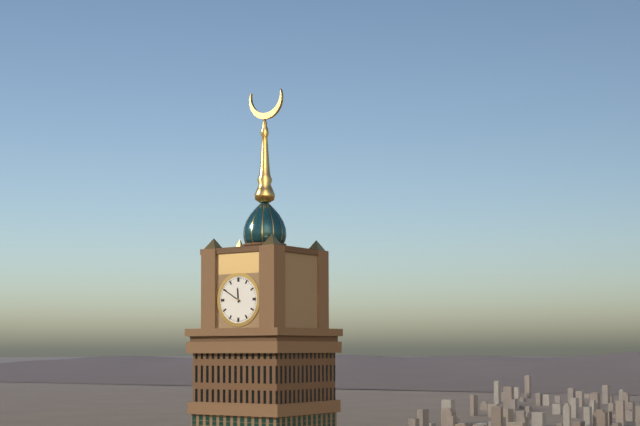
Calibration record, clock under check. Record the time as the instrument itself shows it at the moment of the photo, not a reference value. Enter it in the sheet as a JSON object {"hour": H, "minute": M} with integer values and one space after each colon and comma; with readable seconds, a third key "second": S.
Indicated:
{"hour": 11, "minute": 50}
